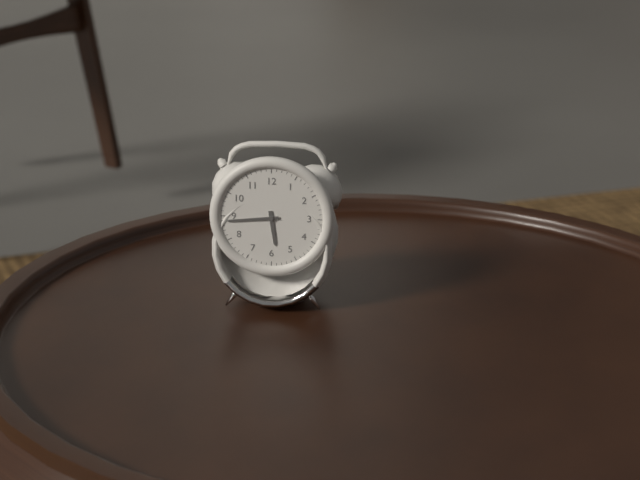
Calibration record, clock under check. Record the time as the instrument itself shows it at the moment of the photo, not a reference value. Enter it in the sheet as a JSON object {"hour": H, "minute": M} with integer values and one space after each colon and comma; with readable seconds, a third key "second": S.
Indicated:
{"hour": 5, "minute": 44}
